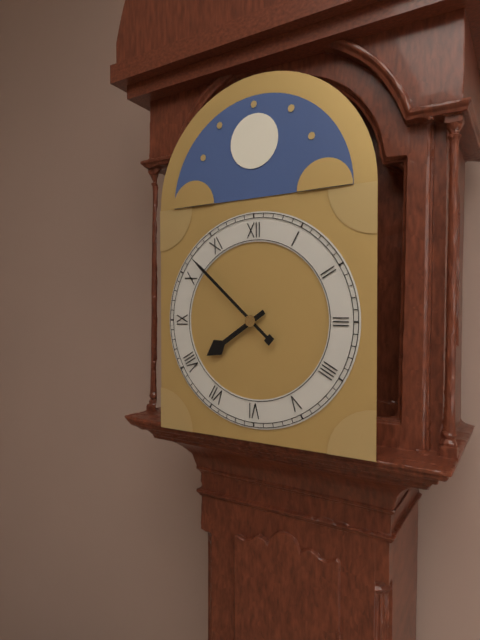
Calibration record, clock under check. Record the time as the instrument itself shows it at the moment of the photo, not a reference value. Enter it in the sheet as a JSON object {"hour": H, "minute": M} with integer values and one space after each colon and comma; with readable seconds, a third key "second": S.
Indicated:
{"hour": 7, "minute": 52}
